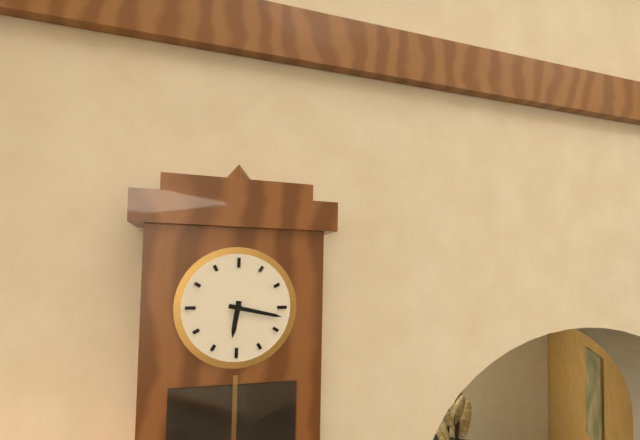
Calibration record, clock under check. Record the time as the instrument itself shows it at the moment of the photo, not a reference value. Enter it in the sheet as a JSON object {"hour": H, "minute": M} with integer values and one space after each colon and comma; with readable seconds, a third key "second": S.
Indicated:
{"hour": 6, "minute": 17}
